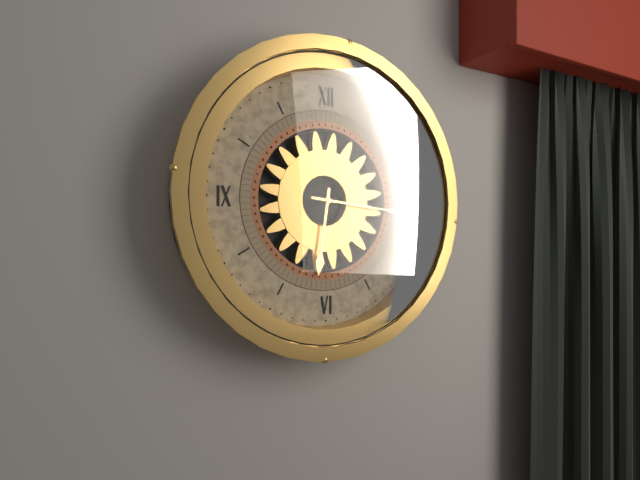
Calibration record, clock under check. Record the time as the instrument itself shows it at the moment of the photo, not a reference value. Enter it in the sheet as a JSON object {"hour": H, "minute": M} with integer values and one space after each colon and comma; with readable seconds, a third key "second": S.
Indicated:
{"hour": 6, "minute": 16}
